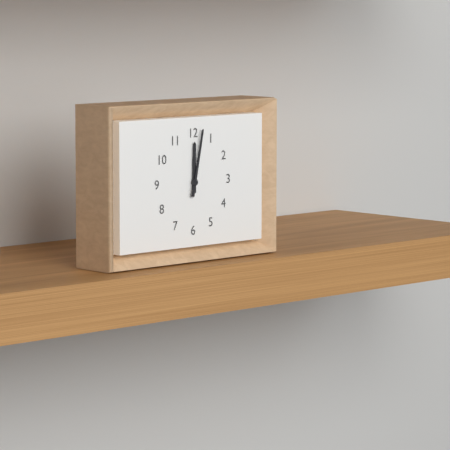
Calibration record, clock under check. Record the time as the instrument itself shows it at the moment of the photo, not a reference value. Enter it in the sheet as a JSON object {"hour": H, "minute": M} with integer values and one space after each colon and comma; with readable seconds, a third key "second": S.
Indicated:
{"hour": 12, "minute": 2}
